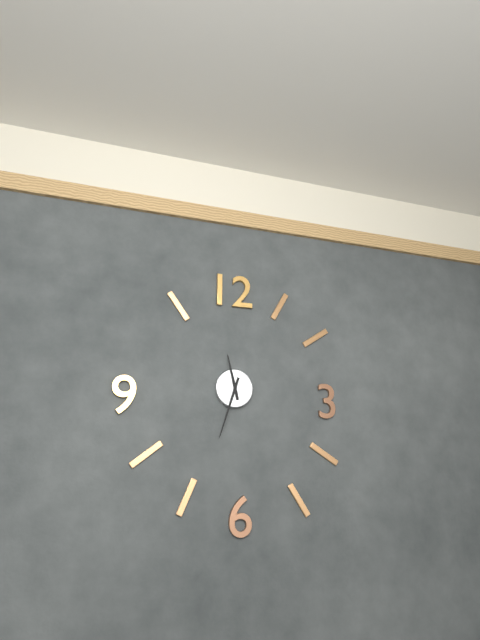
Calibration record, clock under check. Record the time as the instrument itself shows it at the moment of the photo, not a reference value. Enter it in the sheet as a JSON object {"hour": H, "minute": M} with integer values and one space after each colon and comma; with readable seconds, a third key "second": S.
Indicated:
{"hour": 11, "minute": 33}
